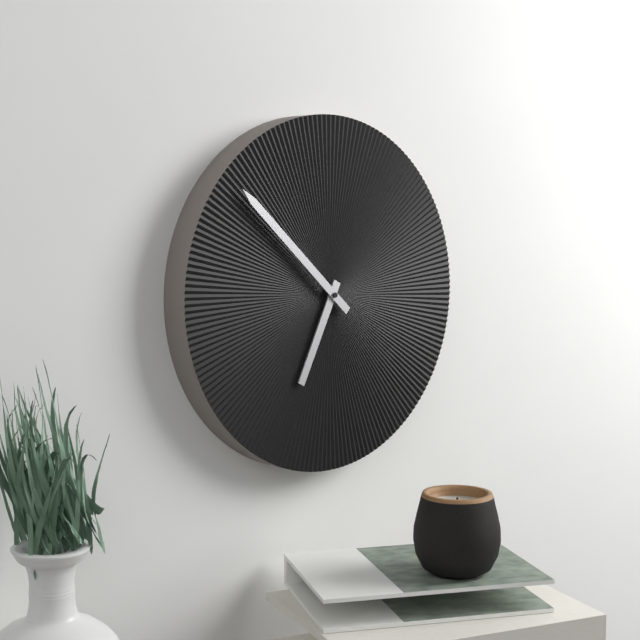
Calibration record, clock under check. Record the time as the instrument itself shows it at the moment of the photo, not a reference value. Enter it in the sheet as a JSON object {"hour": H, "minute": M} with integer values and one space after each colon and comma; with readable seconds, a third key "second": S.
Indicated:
{"hour": 6, "minute": 52}
